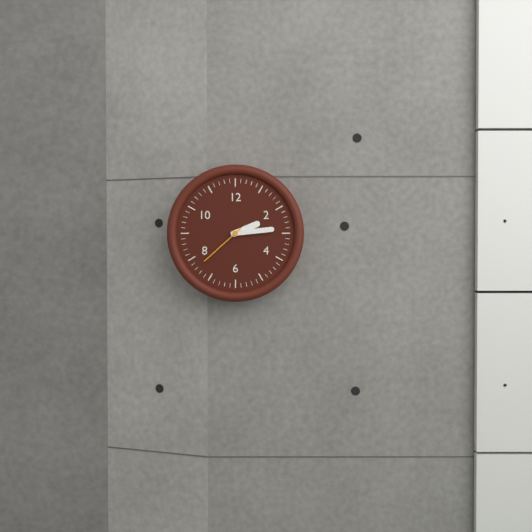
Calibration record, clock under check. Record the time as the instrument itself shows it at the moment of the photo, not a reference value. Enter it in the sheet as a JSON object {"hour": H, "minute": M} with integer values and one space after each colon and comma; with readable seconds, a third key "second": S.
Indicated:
{"hour": 2, "minute": 14, "second": 38}
